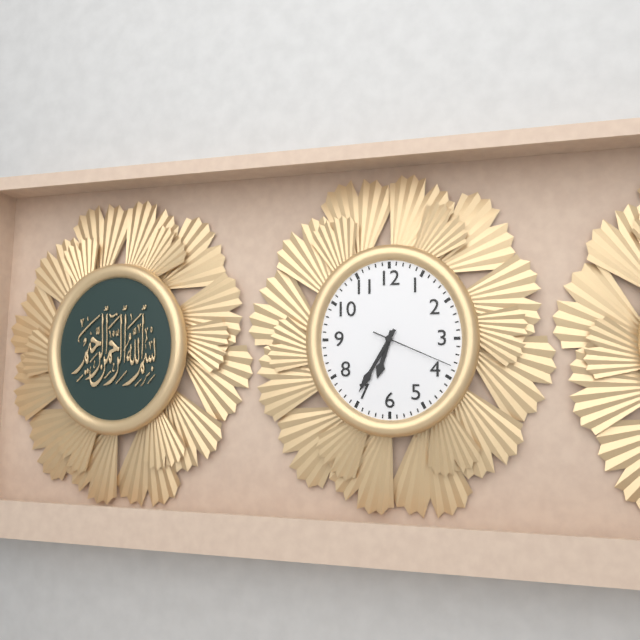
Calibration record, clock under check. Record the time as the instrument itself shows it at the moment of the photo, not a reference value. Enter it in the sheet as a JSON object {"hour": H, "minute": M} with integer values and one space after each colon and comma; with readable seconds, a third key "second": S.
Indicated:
{"hour": 6, "minute": 35, "second": 19}
